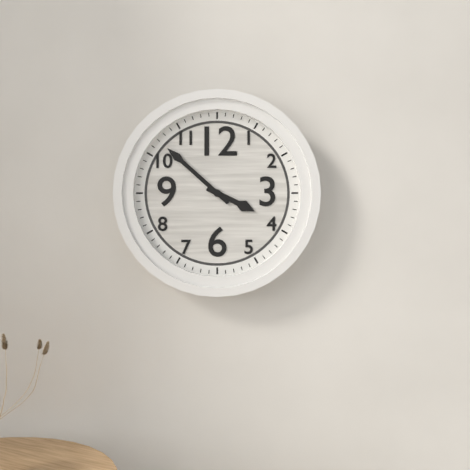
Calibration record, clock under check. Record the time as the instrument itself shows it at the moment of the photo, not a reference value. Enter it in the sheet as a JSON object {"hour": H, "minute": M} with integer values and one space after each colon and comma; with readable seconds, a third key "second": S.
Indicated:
{"hour": 3, "minute": 52}
